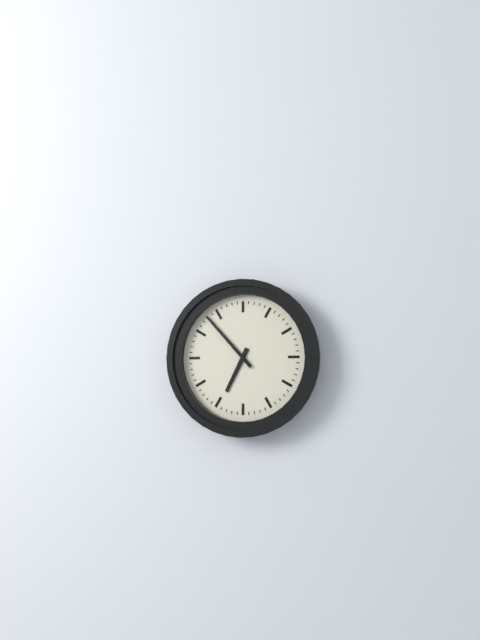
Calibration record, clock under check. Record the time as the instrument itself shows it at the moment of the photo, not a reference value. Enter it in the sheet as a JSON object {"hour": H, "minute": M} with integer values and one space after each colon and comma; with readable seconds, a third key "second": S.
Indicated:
{"hour": 6, "minute": 53}
